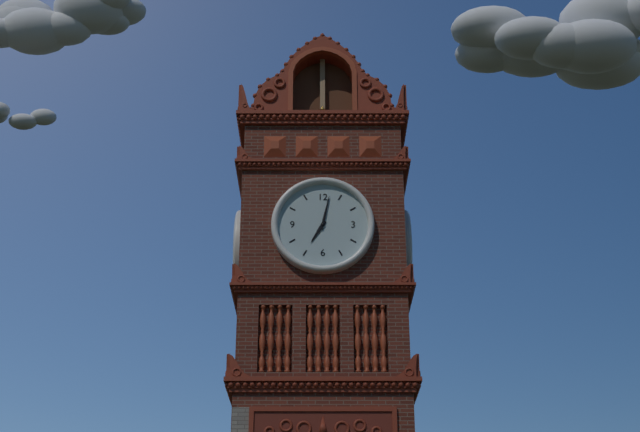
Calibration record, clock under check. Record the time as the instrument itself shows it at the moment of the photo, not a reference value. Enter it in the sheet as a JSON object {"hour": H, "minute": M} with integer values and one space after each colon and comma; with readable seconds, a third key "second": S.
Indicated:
{"hour": 7, "minute": 2}
